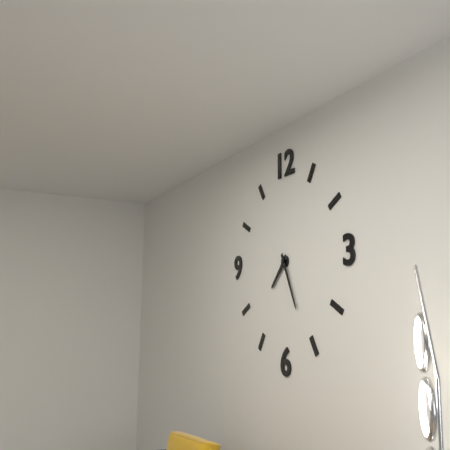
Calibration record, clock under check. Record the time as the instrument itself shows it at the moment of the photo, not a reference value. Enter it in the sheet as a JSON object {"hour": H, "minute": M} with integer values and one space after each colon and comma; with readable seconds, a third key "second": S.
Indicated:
{"hour": 7, "minute": 26}
